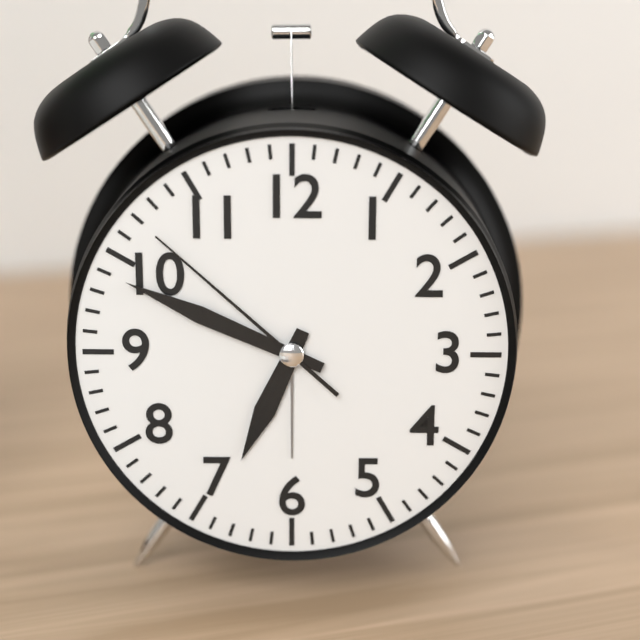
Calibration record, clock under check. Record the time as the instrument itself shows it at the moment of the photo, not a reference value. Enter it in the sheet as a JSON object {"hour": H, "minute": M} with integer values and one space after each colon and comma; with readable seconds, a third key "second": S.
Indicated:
{"hour": 6, "minute": 49, "second": 52}
